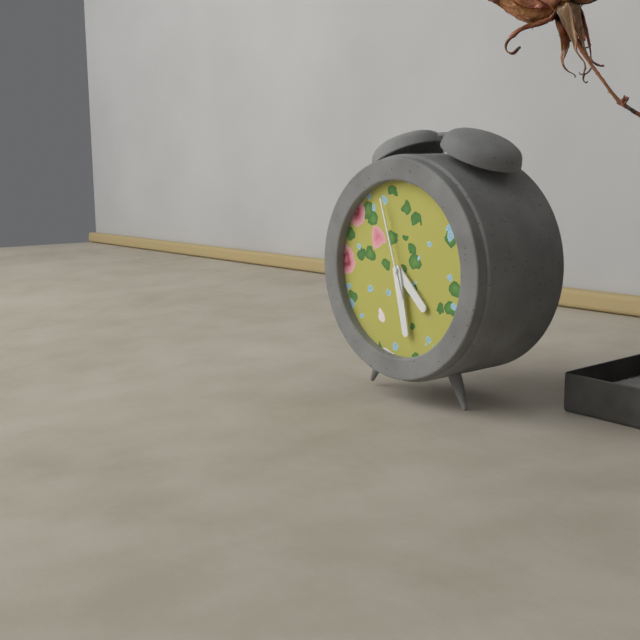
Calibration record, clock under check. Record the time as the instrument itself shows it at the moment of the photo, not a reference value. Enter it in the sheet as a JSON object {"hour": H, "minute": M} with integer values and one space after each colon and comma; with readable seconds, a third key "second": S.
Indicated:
{"hour": 4, "minute": 28, "second": 57}
